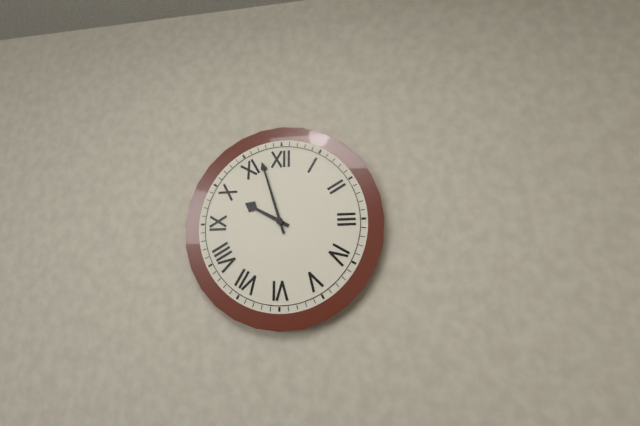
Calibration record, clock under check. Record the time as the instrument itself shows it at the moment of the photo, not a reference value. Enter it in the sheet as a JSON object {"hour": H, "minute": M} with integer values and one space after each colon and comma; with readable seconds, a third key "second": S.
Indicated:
{"hour": 9, "minute": 57}
